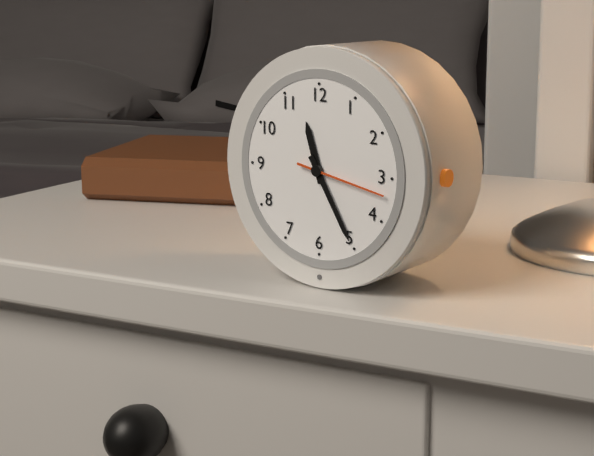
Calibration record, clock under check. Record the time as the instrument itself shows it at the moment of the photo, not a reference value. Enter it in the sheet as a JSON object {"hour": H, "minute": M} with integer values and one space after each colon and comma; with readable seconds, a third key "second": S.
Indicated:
{"hour": 11, "minute": 25, "second": 17}
